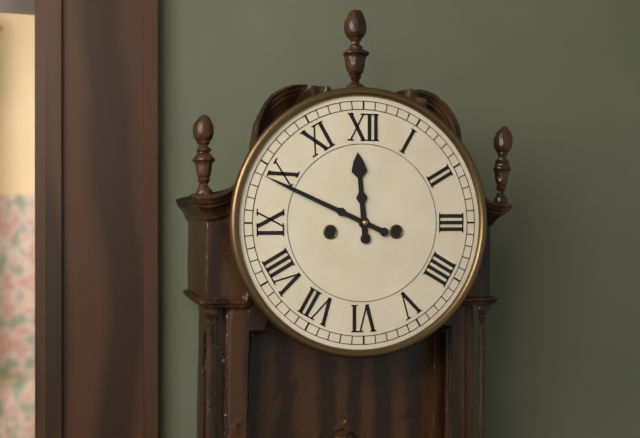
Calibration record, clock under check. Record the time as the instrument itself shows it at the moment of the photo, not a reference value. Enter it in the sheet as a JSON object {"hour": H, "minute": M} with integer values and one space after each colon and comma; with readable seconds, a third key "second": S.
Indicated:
{"hour": 11, "minute": 49}
